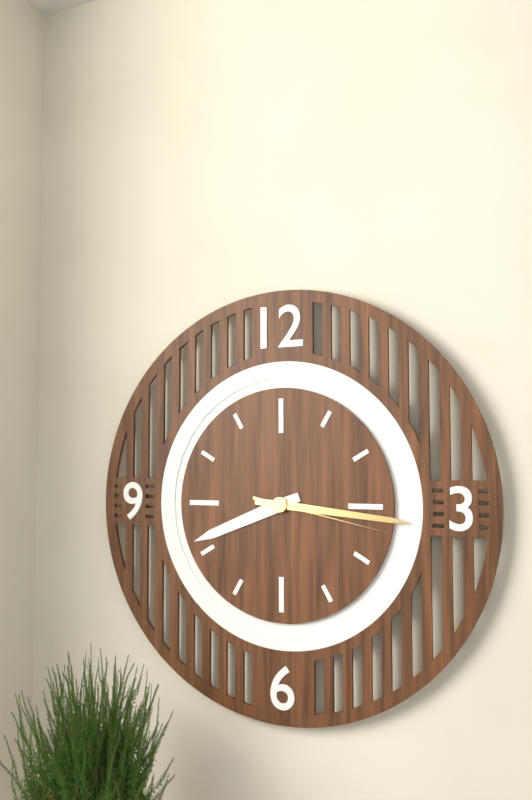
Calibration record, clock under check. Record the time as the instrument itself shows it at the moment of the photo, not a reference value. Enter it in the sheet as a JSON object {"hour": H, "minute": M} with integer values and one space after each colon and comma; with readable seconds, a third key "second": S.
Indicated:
{"hour": 8, "minute": 16, "second": 17}
